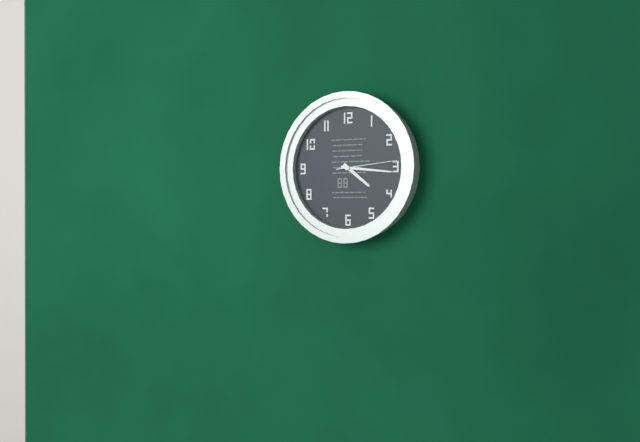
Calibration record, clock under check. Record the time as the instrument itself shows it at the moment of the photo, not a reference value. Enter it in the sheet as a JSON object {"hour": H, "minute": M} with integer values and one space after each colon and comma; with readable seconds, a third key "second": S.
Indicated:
{"hour": 4, "minute": 16, "second": 14}
